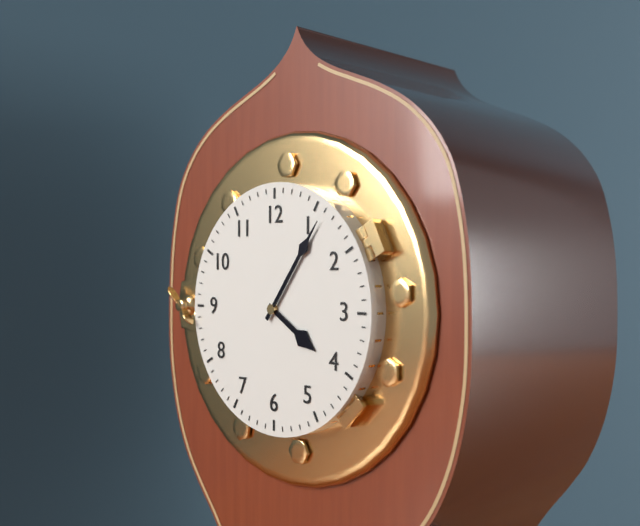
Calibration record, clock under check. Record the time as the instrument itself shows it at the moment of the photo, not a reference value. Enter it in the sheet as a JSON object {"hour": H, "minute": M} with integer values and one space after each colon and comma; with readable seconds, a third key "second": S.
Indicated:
{"hour": 4, "minute": 6}
